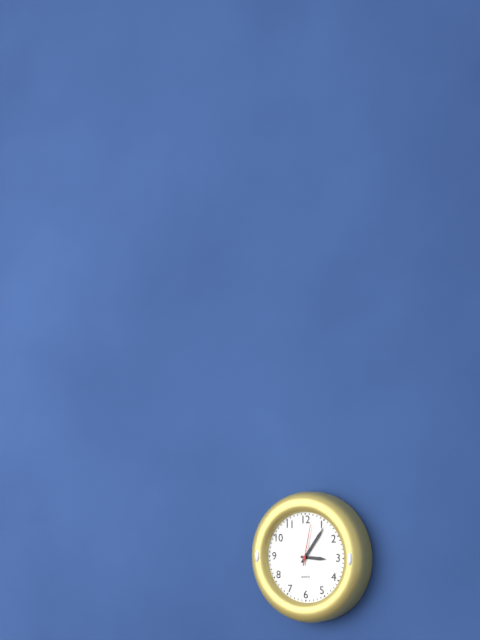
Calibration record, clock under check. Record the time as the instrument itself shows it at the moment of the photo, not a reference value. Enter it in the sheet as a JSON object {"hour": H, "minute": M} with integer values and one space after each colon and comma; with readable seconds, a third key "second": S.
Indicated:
{"hour": 3, "minute": 6}
